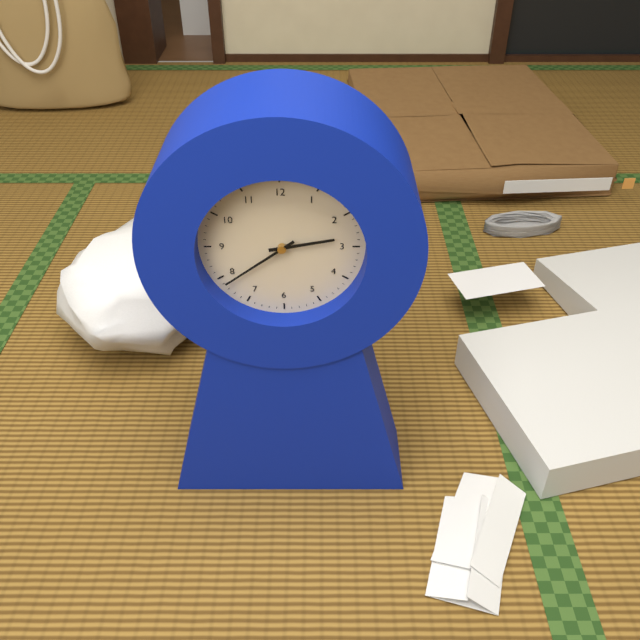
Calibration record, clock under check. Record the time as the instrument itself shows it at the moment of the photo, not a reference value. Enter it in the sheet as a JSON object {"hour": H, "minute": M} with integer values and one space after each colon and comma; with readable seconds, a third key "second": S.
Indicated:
{"hour": 2, "minute": 39}
